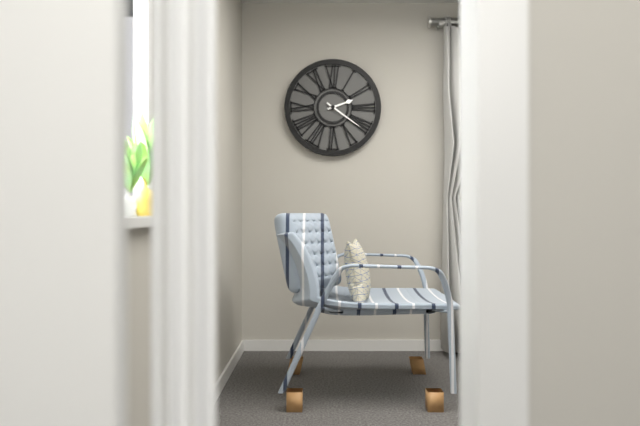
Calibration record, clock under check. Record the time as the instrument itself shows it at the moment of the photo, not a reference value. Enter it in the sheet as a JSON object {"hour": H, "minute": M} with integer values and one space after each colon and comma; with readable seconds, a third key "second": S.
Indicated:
{"hour": 2, "minute": 21}
